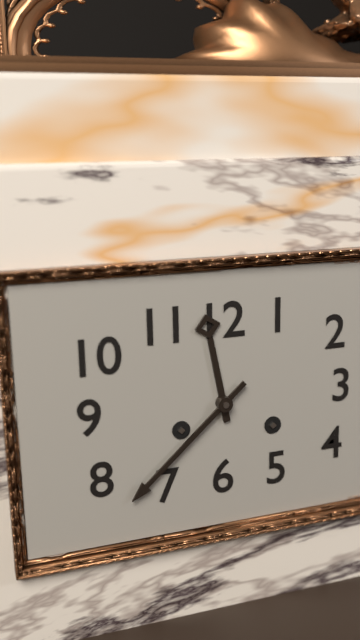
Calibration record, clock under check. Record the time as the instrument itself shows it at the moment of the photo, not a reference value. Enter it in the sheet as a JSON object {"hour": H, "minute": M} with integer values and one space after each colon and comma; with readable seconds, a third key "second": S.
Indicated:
{"hour": 11, "minute": 38}
